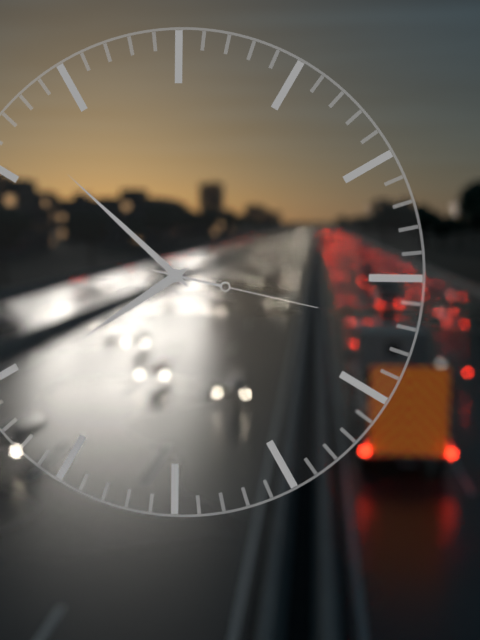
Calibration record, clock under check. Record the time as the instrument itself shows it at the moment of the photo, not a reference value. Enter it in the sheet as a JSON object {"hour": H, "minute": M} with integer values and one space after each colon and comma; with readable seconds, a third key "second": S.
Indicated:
{"hour": 7, "minute": 52, "second": 17}
